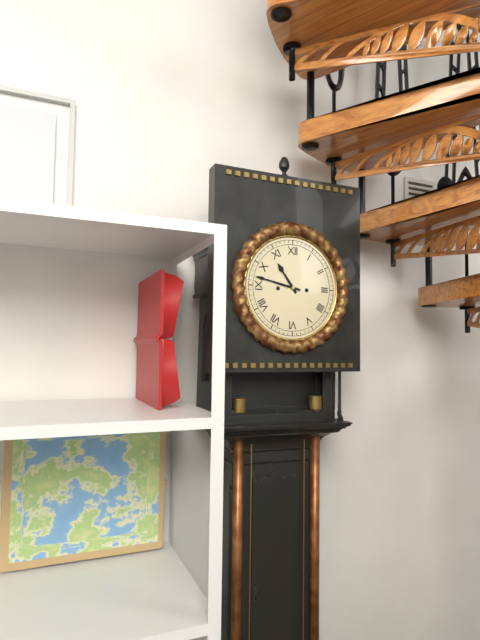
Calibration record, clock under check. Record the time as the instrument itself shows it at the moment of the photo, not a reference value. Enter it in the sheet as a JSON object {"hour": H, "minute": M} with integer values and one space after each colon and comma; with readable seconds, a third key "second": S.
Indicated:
{"hour": 10, "minute": 47}
